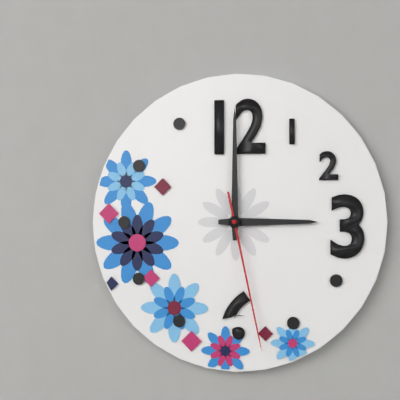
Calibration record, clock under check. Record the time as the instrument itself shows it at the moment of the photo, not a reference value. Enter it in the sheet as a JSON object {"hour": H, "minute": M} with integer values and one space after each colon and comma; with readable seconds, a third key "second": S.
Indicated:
{"hour": 3, "minute": 0, "second": 28}
